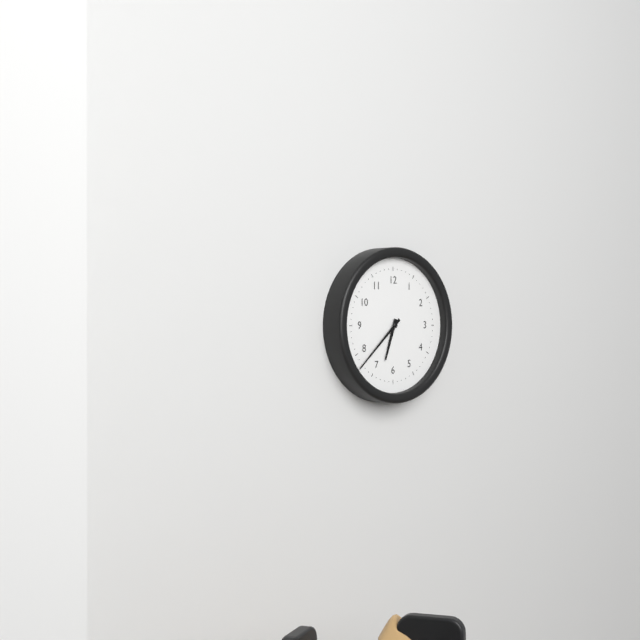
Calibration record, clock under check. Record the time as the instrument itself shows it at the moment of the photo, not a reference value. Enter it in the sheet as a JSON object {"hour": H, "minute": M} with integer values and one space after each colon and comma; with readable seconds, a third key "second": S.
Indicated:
{"hour": 6, "minute": 38}
